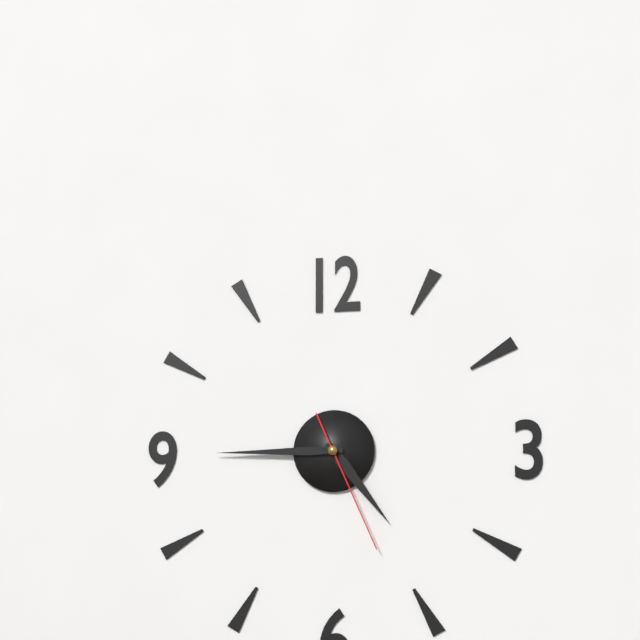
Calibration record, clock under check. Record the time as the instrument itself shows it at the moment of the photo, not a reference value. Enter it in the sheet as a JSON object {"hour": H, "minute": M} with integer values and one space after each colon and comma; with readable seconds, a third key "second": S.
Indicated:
{"hour": 4, "minute": 45, "second": 26}
